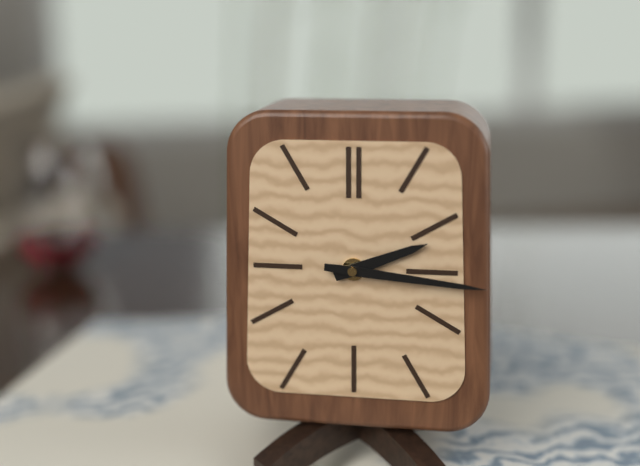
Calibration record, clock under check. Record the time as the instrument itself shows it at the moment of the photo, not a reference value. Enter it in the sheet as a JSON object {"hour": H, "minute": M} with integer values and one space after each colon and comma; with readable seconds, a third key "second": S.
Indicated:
{"hour": 2, "minute": 16}
